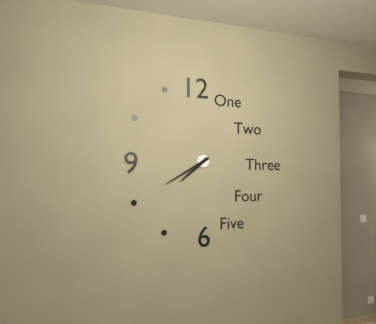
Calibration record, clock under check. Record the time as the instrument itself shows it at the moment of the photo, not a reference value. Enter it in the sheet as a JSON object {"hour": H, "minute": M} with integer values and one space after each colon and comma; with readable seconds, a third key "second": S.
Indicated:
{"hour": 7, "minute": 40}
